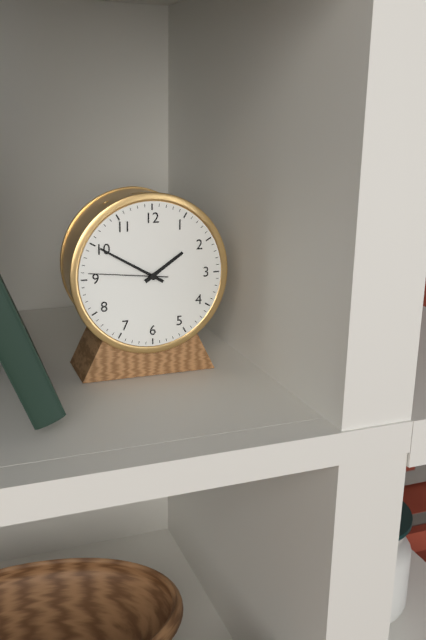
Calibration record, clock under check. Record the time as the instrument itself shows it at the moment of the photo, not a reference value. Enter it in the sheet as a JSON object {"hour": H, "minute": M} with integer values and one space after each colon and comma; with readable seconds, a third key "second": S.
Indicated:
{"hour": 1, "minute": 50, "second": 46}
